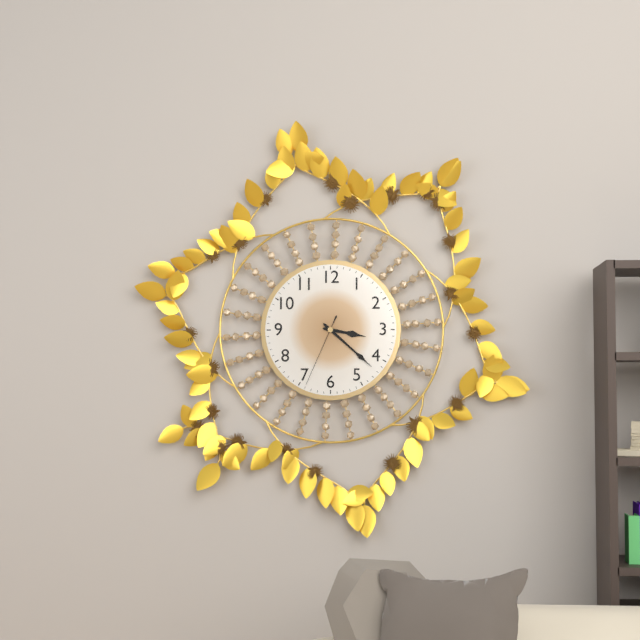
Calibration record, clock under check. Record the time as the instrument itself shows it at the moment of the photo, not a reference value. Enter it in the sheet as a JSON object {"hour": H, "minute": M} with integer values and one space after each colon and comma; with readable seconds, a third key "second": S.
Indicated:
{"hour": 3, "minute": 22, "second": 34}
